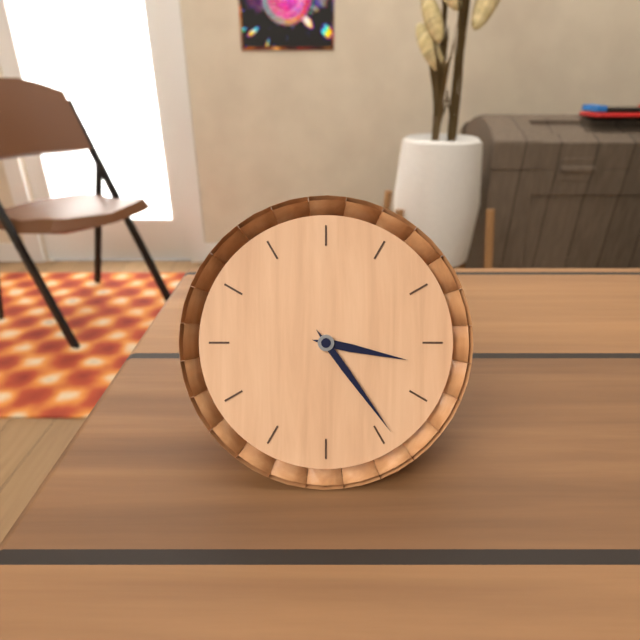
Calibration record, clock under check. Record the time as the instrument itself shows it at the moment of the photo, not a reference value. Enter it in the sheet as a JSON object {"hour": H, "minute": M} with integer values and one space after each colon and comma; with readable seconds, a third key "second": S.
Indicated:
{"hour": 3, "minute": 24}
